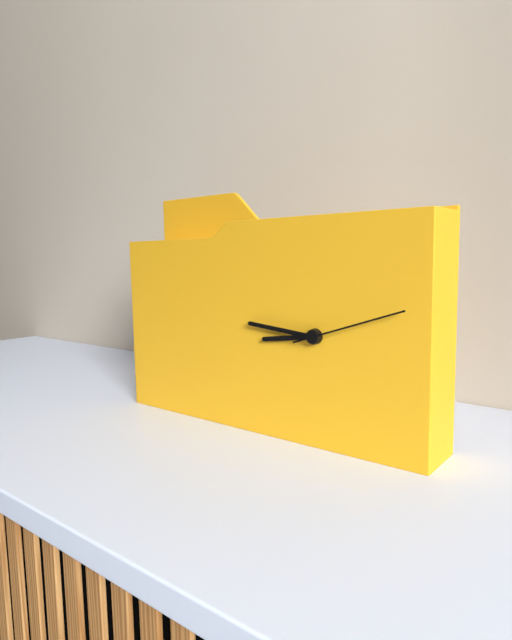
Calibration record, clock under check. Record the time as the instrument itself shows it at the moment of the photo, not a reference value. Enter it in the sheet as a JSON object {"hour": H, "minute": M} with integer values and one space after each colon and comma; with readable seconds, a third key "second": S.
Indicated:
{"hour": 8, "minute": 46, "second": 12}
